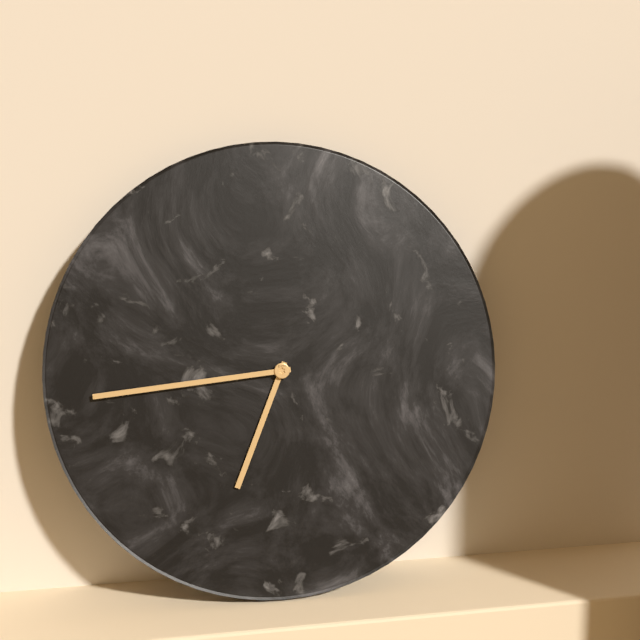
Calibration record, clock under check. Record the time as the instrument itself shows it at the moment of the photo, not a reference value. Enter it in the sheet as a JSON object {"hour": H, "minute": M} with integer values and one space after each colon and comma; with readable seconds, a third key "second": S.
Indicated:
{"hour": 6, "minute": 44}
